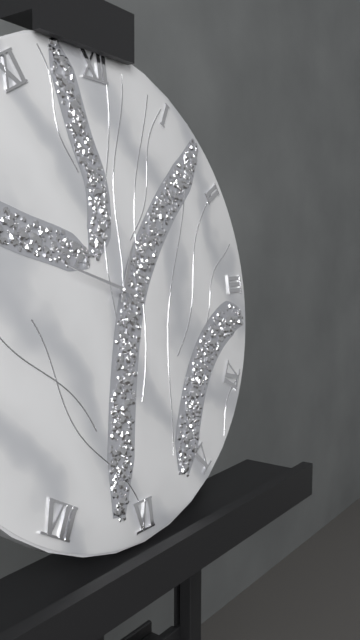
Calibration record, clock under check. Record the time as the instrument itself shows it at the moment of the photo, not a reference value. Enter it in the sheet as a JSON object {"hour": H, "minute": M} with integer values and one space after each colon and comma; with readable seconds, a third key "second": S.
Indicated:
{"hour": 12, "minute": 48}
